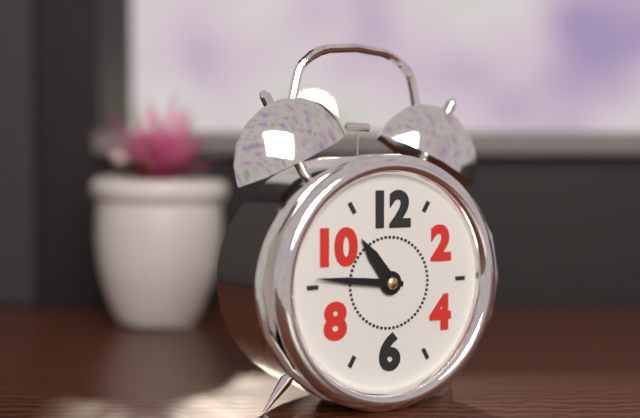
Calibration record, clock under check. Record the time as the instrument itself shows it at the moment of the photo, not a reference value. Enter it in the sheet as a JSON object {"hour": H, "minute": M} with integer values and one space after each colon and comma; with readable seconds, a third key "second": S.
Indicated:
{"hour": 10, "minute": 46}
